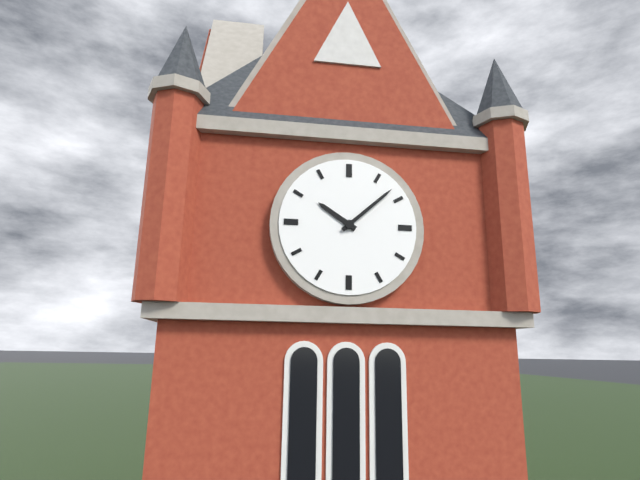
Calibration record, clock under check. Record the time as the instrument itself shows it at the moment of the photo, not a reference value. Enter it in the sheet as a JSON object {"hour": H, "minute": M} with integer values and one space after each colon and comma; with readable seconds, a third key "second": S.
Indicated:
{"hour": 10, "minute": 8}
